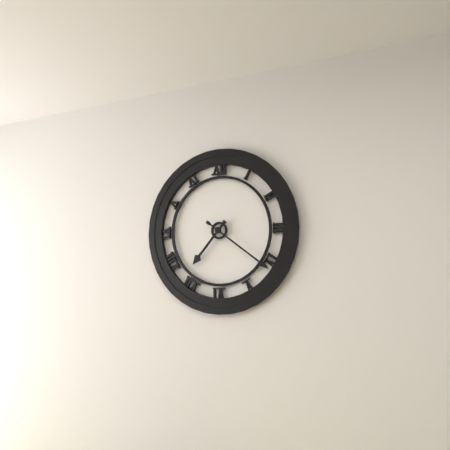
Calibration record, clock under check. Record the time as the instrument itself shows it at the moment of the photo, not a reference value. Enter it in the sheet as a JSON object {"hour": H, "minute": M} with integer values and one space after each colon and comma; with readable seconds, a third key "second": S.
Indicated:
{"hour": 7, "minute": 21}
